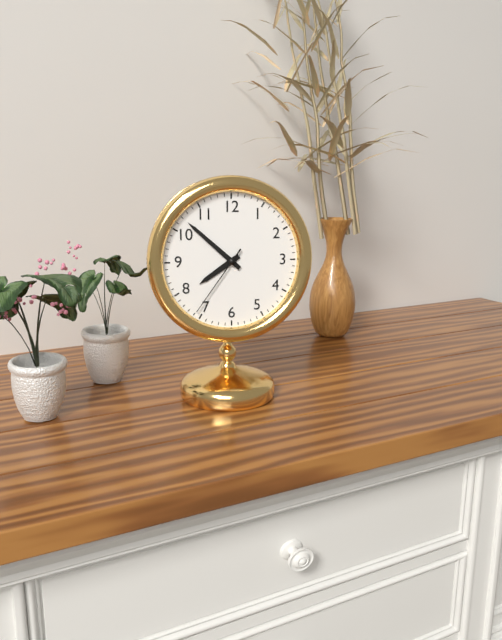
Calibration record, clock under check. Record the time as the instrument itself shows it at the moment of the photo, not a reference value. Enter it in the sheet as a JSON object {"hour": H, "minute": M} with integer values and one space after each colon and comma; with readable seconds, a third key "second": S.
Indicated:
{"hour": 7, "minute": 52, "second": 36}
